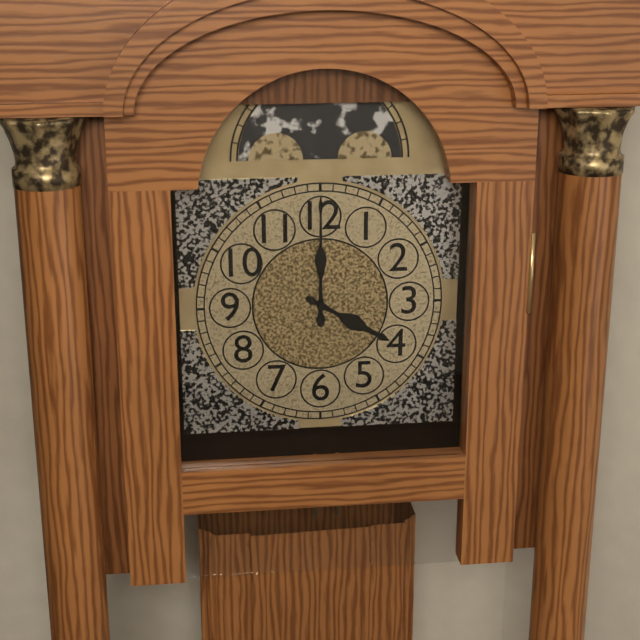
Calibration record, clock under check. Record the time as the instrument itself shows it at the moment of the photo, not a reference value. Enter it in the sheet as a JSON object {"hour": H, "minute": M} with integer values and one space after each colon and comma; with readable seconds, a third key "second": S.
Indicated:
{"hour": 4, "minute": 0}
